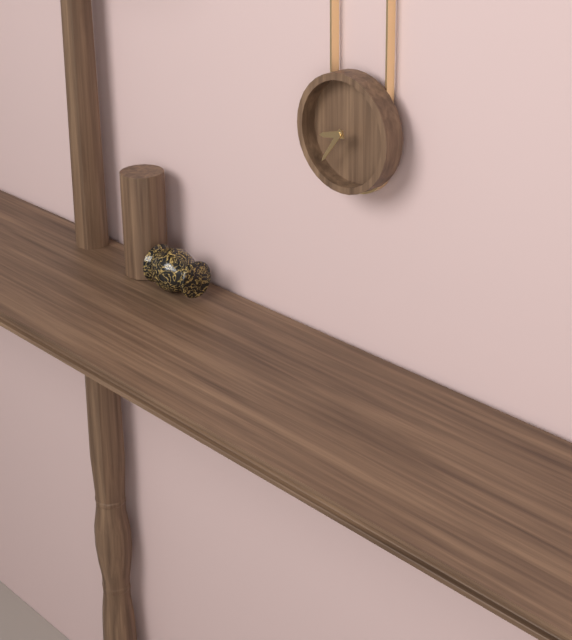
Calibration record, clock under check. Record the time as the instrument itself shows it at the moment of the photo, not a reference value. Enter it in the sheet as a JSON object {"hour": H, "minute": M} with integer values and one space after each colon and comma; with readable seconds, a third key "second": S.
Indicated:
{"hour": 8, "minute": 36}
